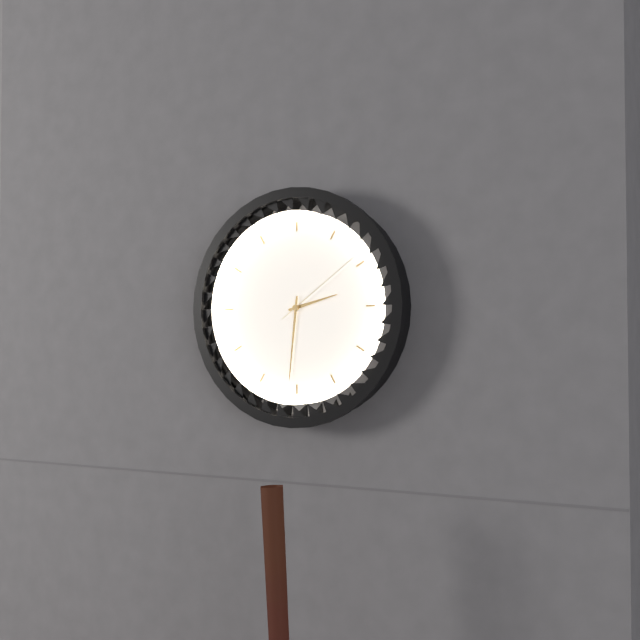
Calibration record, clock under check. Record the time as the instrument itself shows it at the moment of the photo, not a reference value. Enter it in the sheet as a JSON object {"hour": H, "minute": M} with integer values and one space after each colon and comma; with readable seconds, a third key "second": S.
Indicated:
{"hour": 2, "minute": 31, "second": 9}
